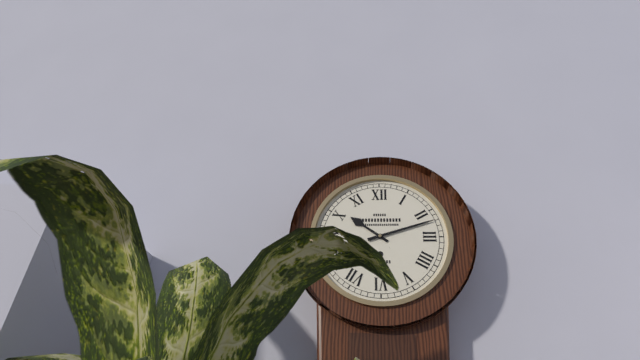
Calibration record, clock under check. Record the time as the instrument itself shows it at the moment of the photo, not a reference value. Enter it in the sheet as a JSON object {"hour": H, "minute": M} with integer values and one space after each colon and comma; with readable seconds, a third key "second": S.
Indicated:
{"hour": 10, "minute": 12}
